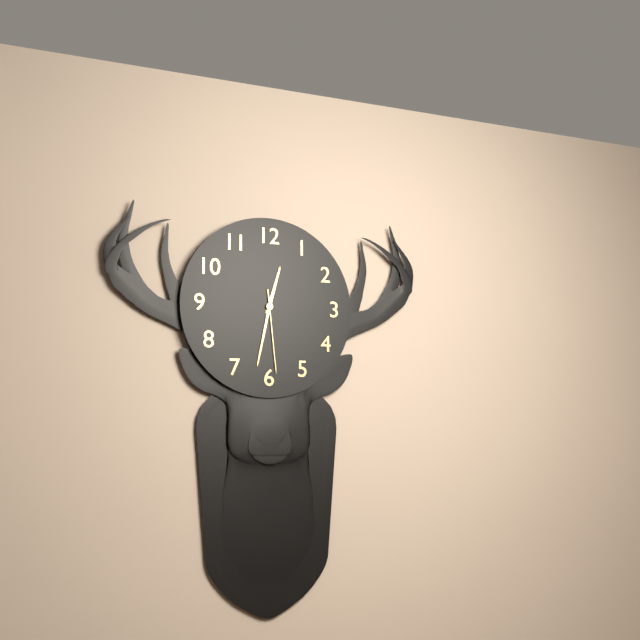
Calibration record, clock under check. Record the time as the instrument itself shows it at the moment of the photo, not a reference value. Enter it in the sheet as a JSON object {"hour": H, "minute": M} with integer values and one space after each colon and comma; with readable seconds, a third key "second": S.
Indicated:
{"hour": 12, "minute": 32, "second": 29}
